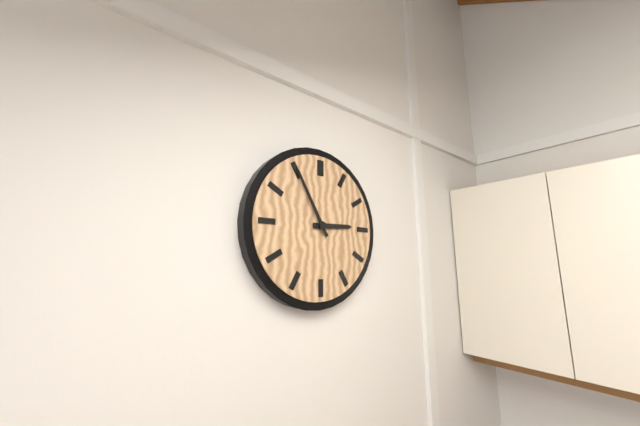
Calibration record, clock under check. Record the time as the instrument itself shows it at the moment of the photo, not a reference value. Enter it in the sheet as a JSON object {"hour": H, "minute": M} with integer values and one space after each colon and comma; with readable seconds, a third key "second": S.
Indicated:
{"hour": 2, "minute": 55}
